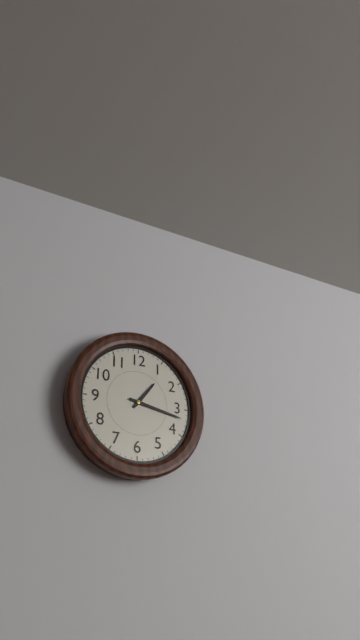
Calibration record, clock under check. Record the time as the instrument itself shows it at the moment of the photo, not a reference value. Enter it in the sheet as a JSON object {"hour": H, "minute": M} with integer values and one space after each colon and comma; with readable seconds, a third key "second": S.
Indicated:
{"hour": 1, "minute": 17}
